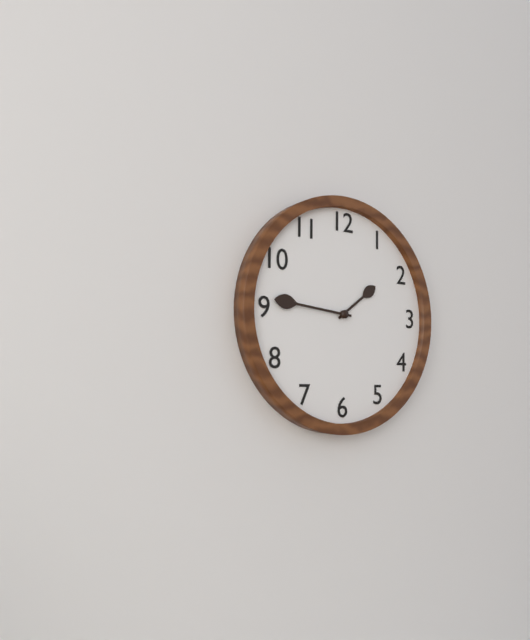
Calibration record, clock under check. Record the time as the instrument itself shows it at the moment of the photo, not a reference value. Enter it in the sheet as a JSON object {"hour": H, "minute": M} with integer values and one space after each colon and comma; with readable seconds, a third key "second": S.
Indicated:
{"hour": 1, "minute": 46}
